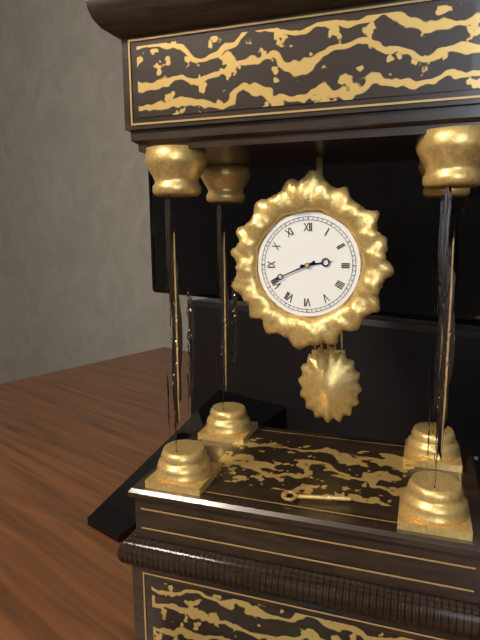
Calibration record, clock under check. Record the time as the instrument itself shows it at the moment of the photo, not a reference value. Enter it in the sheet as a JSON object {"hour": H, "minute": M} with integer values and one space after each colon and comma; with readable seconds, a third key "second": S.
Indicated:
{"hour": 2, "minute": 41}
